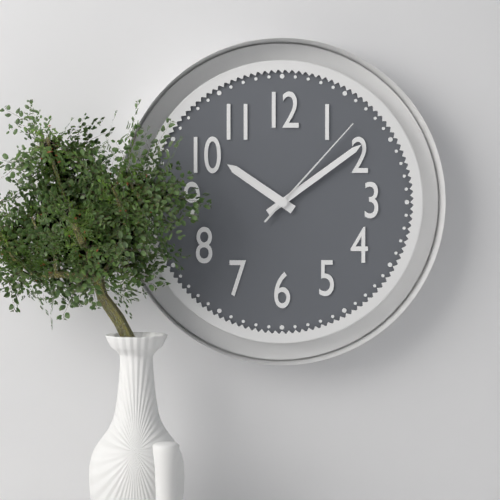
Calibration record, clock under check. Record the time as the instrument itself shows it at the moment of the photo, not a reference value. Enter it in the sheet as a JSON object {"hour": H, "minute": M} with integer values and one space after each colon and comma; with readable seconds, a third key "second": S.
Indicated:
{"hour": 10, "minute": 9, "second": 7}
